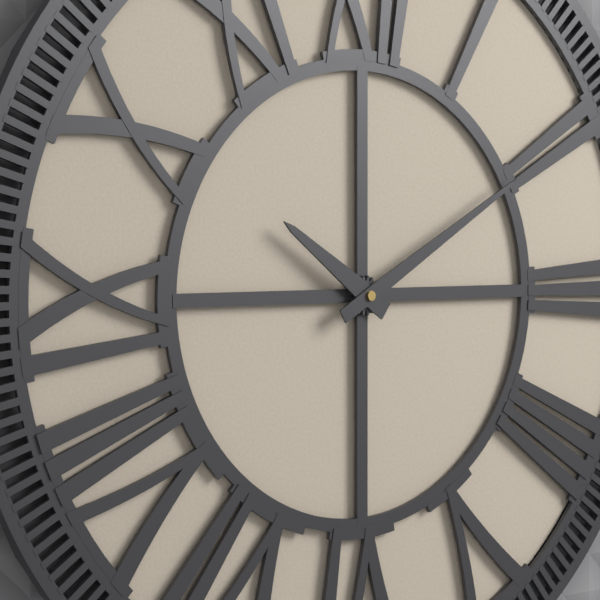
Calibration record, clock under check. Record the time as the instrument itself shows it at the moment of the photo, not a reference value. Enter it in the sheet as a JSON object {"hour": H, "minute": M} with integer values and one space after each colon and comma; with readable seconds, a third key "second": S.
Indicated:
{"hour": 10, "minute": 10}
